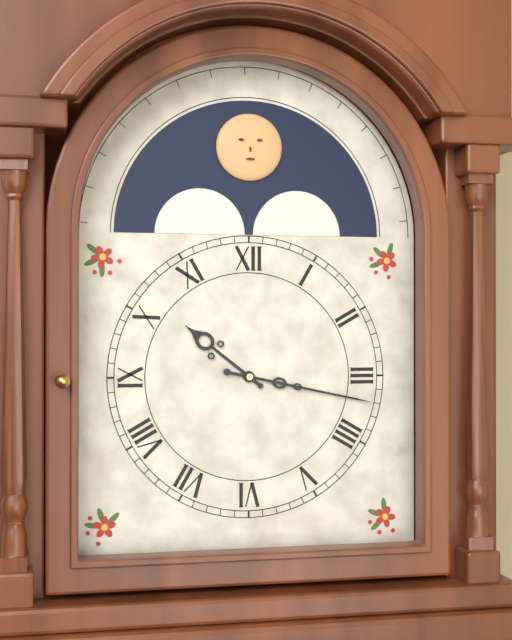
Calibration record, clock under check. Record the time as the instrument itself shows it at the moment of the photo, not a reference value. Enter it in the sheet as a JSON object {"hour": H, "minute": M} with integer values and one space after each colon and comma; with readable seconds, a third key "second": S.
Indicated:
{"hour": 10, "minute": 17}
